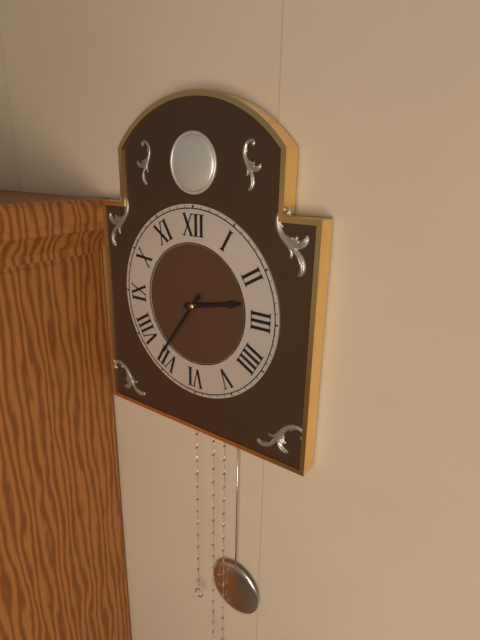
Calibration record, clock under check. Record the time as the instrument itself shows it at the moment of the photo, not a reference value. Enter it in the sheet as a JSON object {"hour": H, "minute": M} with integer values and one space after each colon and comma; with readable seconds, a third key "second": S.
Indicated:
{"hour": 2, "minute": 36}
